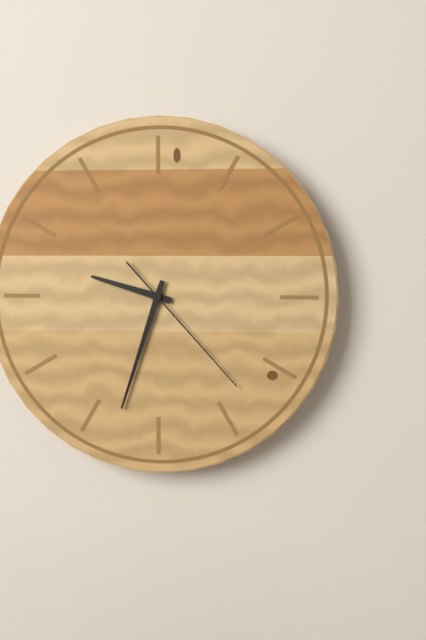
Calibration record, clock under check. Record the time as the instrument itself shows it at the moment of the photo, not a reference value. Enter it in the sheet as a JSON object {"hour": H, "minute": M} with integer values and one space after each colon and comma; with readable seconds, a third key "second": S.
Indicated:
{"hour": 9, "minute": 33, "second": 23}
